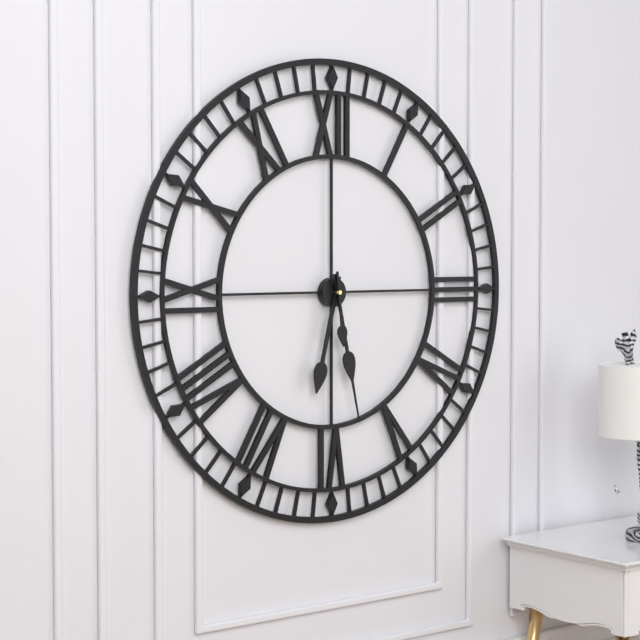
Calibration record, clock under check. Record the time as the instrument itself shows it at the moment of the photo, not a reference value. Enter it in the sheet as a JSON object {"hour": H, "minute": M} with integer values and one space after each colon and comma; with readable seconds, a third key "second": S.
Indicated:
{"hour": 6, "minute": 28, "second": 29}
